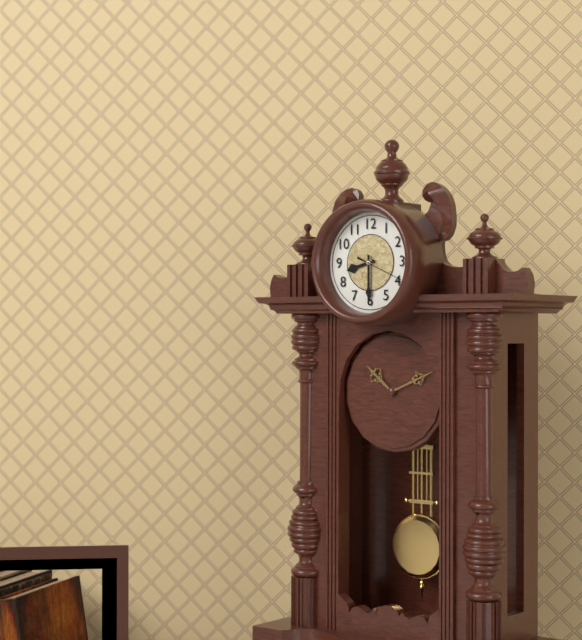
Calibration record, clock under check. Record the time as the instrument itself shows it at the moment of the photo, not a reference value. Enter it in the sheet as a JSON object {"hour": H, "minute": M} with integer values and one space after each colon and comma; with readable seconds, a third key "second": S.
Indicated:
{"hour": 8, "minute": 30}
